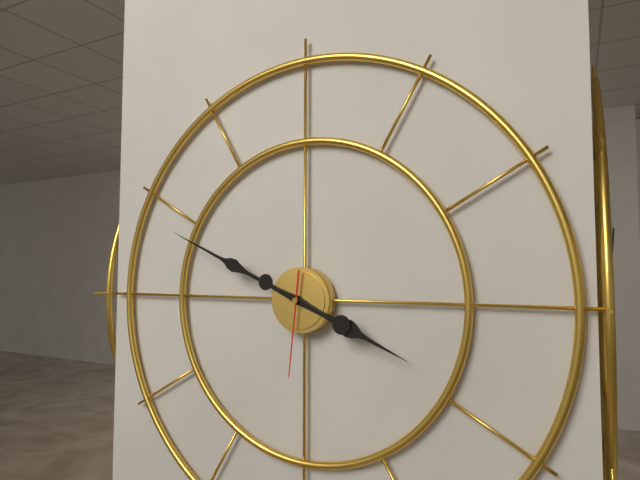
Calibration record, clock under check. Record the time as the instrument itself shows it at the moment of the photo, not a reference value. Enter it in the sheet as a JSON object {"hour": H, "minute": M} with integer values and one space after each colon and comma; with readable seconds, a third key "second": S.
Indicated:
{"hour": 3, "minute": 49, "second": 31}
